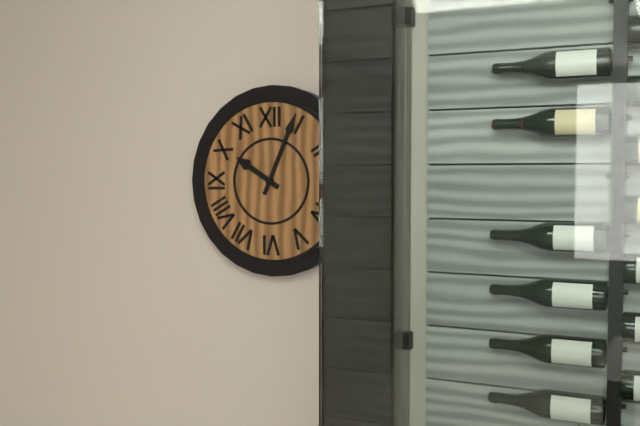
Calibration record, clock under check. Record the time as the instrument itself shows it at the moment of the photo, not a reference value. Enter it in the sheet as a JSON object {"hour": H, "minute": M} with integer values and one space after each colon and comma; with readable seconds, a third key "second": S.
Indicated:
{"hour": 10, "minute": 4}
